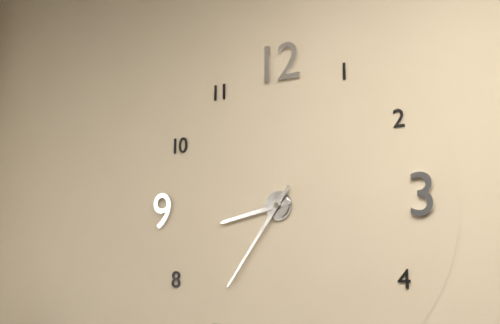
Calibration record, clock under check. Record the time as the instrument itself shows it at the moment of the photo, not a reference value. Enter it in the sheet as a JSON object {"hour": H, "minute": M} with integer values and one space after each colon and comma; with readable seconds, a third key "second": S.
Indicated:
{"hour": 8, "minute": 36}
